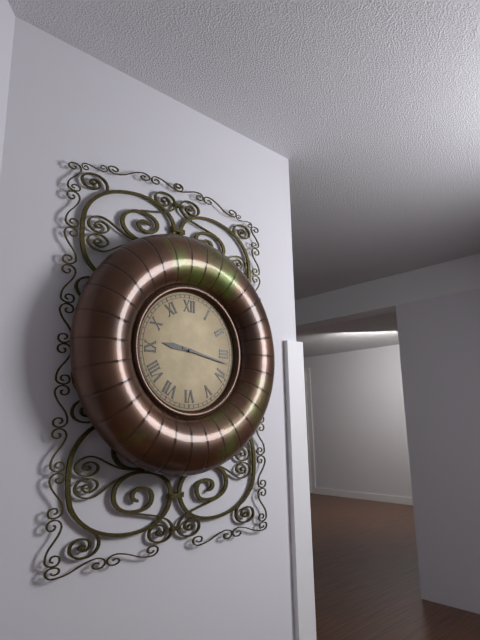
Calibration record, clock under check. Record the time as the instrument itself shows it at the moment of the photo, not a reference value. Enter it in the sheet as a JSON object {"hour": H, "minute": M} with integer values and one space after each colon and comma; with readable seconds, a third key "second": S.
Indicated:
{"hour": 9, "minute": 17}
